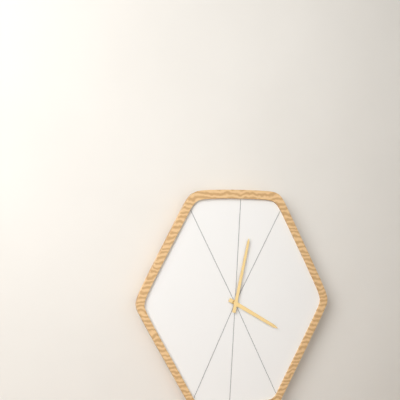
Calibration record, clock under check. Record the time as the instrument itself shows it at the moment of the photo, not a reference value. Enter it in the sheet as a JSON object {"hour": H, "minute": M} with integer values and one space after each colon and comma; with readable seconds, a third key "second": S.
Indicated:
{"hour": 4, "minute": 2}
